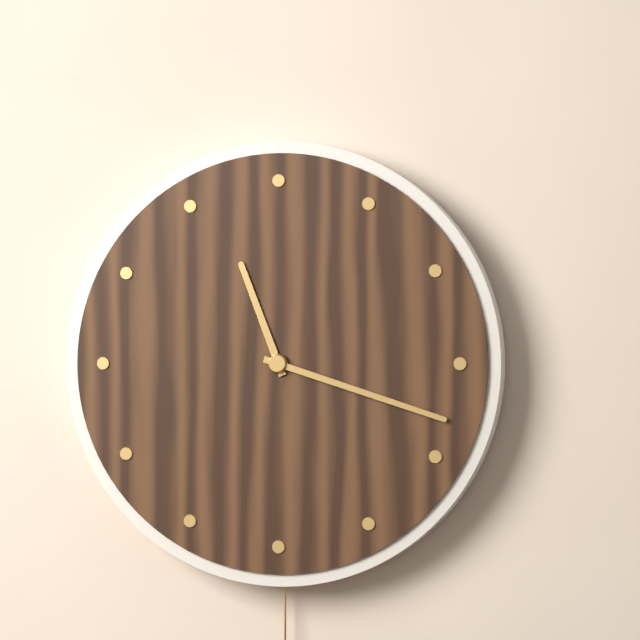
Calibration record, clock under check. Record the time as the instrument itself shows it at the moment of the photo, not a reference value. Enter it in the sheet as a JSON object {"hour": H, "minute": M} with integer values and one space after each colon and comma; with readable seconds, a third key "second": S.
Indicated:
{"hour": 11, "minute": 18}
